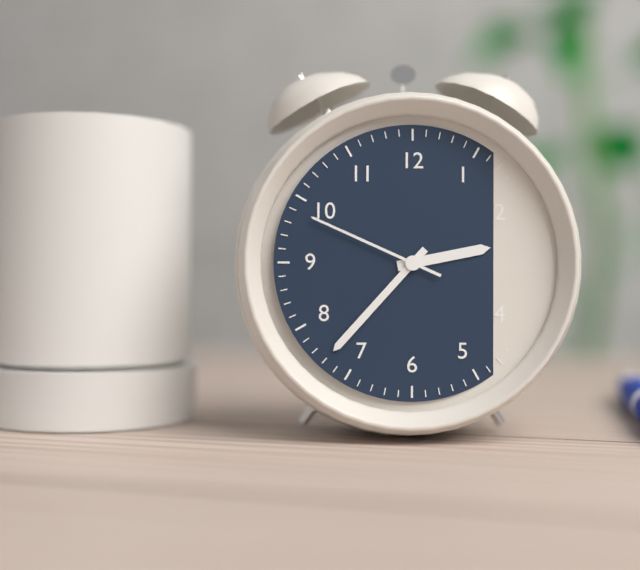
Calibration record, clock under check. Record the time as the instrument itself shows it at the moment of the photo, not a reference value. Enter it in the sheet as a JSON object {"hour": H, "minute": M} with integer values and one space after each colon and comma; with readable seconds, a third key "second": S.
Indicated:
{"hour": 2, "minute": 37, "second": 49}
